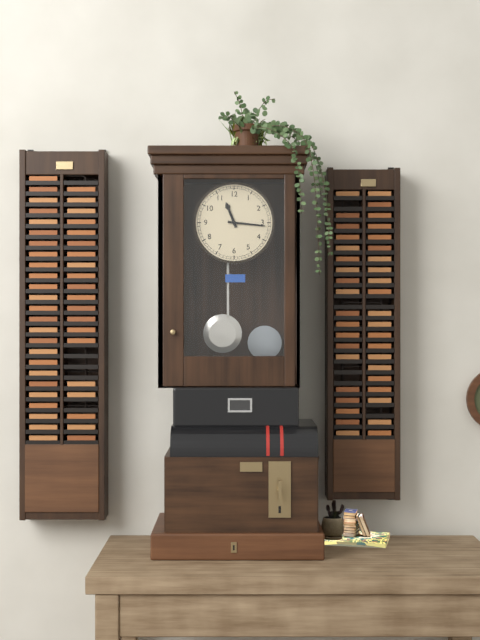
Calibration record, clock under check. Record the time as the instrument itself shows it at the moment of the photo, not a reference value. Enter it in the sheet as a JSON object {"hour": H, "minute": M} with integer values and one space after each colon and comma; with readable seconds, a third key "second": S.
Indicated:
{"hour": 11, "minute": 16}
